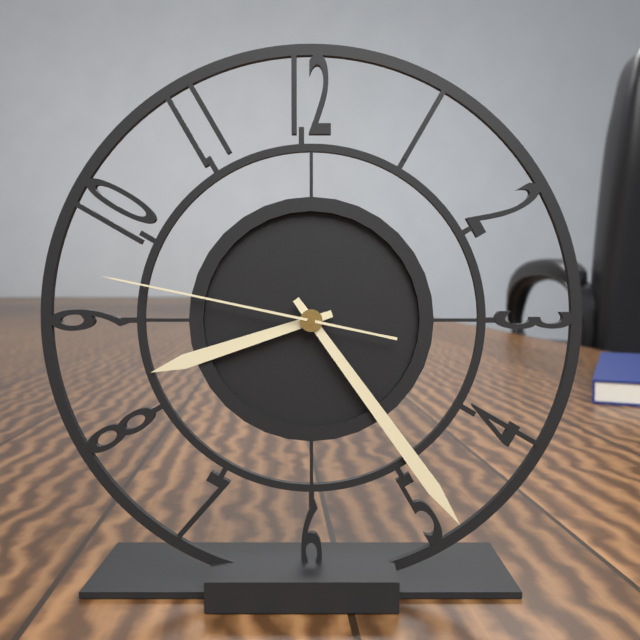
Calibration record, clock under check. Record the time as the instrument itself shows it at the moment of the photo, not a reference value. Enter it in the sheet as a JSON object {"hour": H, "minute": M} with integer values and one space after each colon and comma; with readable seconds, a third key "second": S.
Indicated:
{"hour": 8, "minute": 24, "second": 47}
